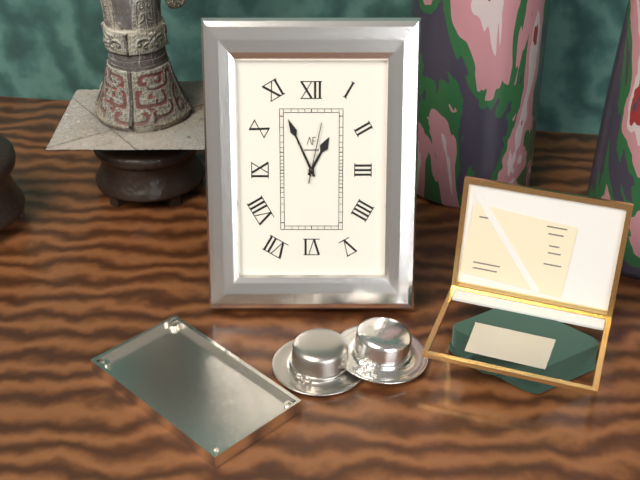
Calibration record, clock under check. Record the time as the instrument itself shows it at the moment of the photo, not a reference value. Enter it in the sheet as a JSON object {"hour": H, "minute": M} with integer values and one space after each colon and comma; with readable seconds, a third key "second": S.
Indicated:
{"hour": 12, "minute": 56, "second": 2}
